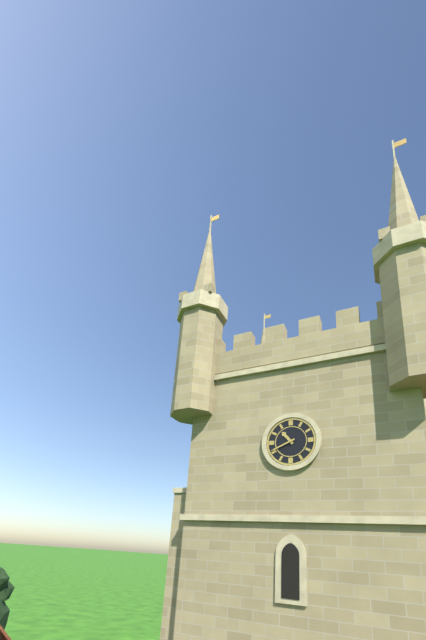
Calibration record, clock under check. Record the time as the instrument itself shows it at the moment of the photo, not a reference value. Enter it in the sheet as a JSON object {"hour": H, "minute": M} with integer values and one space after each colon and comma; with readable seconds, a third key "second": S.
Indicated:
{"hour": 10, "minute": 41}
